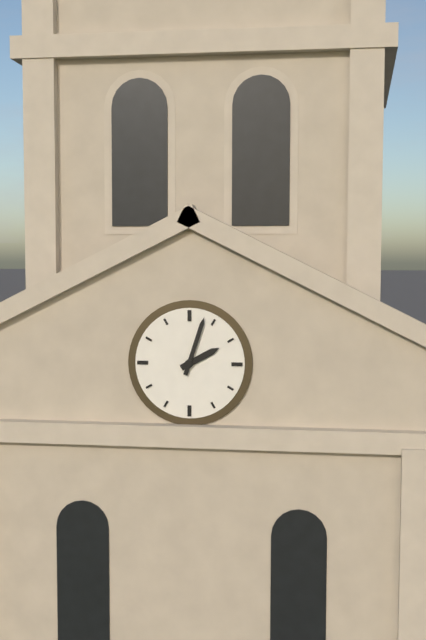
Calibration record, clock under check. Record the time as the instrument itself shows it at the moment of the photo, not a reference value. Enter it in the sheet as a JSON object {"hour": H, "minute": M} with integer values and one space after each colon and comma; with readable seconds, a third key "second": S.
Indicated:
{"hour": 2, "minute": 3}
